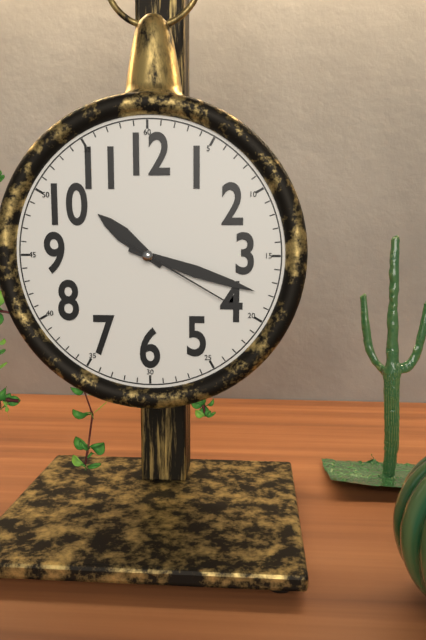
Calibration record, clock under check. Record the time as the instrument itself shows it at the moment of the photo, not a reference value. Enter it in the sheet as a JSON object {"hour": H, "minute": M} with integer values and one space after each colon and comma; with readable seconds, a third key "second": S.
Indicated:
{"hour": 10, "minute": 18, "second": 20}
